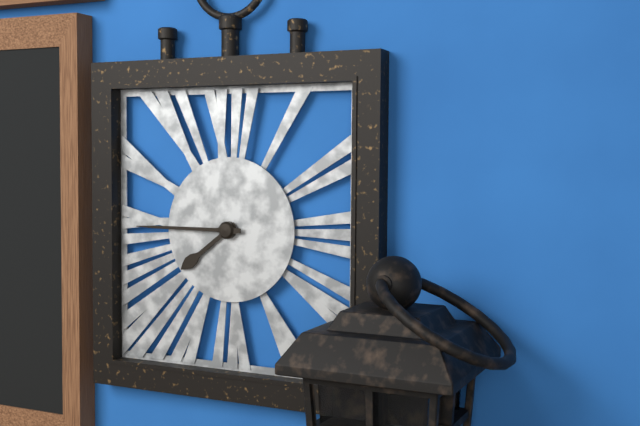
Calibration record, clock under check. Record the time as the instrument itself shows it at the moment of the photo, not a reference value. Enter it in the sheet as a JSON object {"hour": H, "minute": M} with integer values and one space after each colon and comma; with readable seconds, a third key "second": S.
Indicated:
{"hour": 7, "minute": 45}
